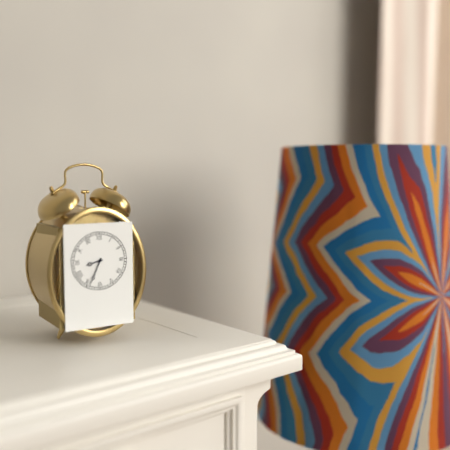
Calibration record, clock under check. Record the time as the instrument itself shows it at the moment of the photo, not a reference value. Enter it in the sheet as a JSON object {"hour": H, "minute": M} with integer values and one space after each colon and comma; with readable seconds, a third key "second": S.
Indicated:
{"hour": 8, "minute": 34}
